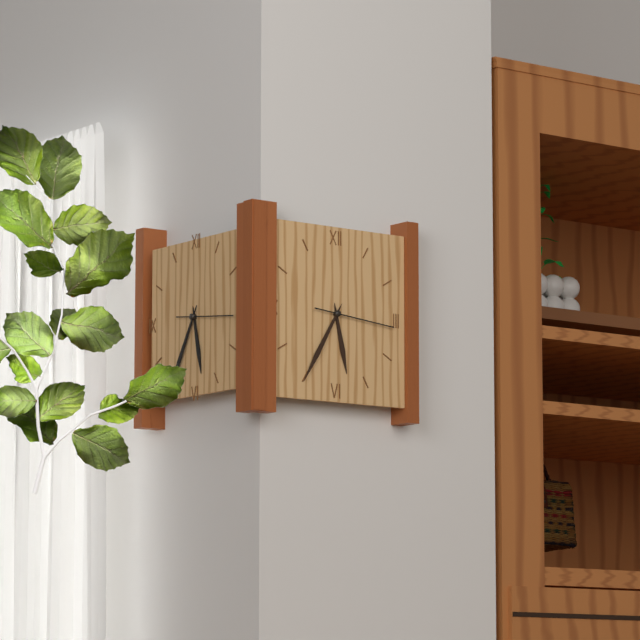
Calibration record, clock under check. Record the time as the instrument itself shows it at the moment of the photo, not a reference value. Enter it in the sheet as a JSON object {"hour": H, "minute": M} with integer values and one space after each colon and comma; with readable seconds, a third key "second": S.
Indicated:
{"hour": 5, "minute": 35, "second": 16}
